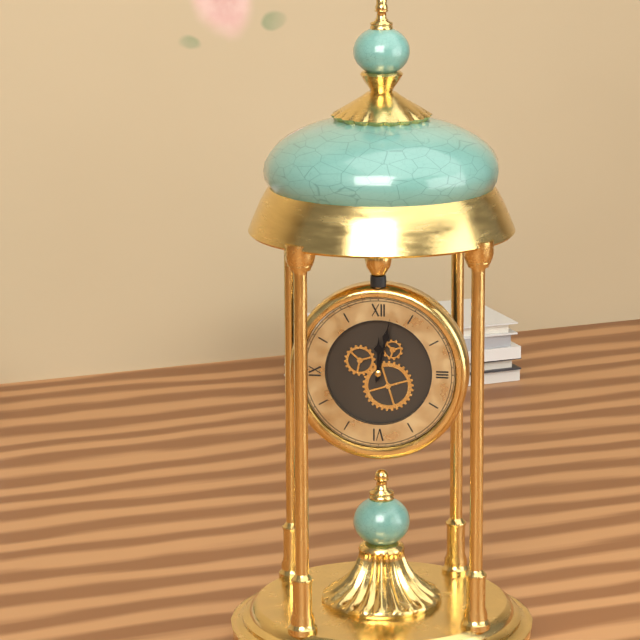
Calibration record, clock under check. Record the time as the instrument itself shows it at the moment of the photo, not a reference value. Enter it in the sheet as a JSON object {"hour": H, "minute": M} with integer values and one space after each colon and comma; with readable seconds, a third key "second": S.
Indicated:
{"hour": 12, "minute": 2}
